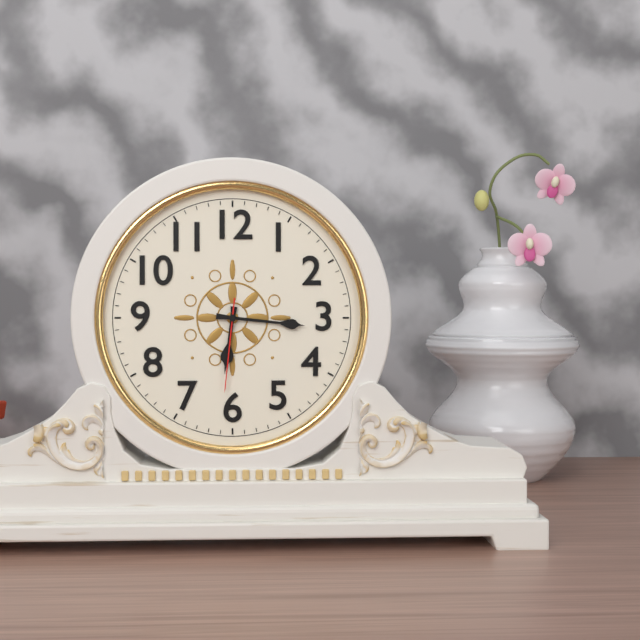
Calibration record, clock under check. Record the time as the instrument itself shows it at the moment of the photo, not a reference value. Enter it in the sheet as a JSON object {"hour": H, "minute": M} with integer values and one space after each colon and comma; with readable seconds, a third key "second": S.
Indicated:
{"hour": 6, "minute": 16, "second": 31}
